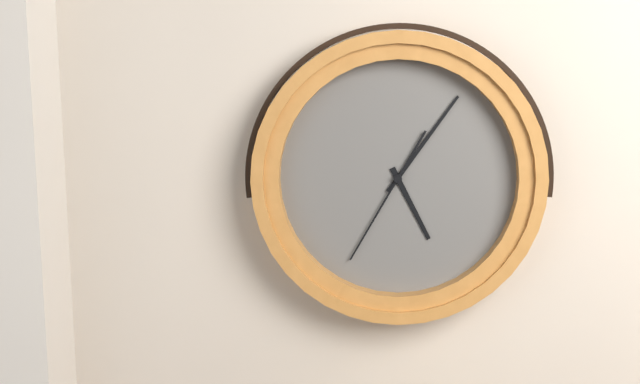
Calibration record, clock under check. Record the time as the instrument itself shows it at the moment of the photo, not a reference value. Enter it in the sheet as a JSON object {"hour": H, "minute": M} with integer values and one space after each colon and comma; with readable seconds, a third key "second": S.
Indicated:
{"hour": 5, "minute": 6, "second": 35}
